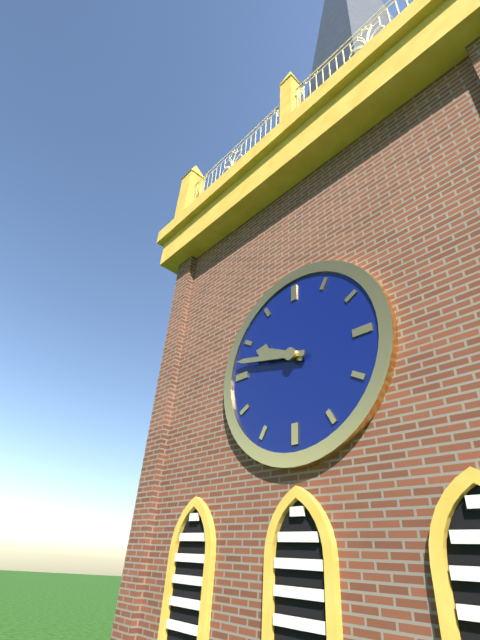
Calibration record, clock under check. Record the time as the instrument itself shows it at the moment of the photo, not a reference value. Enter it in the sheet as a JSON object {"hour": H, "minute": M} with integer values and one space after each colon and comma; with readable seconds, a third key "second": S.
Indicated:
{"hour": 9, "minute": 47}
